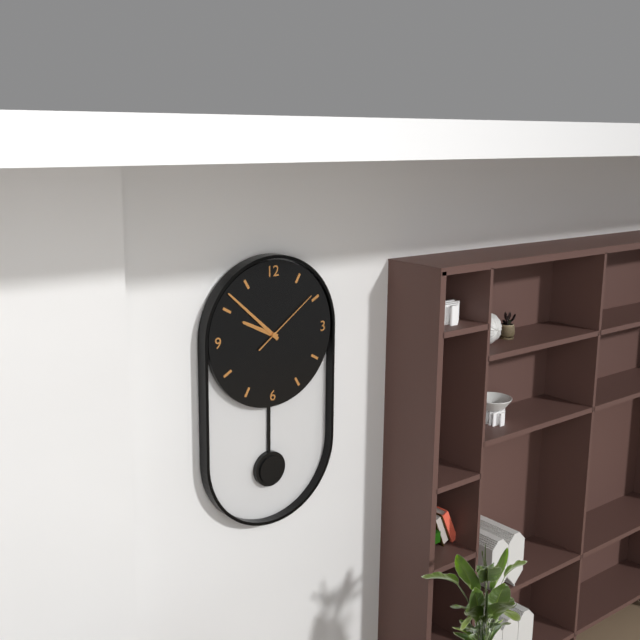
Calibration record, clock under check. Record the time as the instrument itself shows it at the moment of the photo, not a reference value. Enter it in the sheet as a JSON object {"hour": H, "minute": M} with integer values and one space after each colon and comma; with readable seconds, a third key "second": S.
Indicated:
{"hour": 9, "minute": 52, "second": 9}
